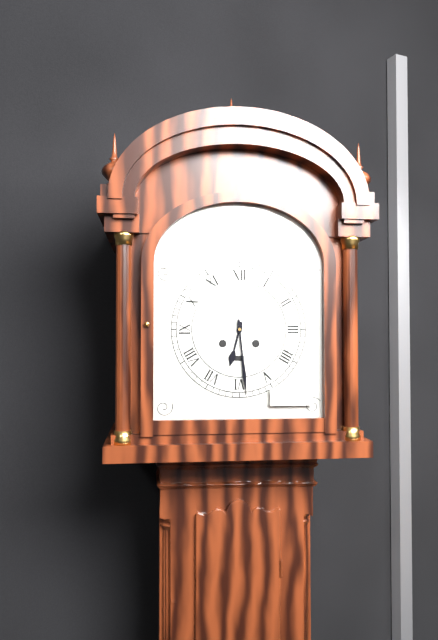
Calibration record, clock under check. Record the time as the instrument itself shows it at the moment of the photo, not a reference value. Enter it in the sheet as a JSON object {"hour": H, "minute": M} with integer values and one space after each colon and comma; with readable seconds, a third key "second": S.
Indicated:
{"hour": 6, "minute": 29}
